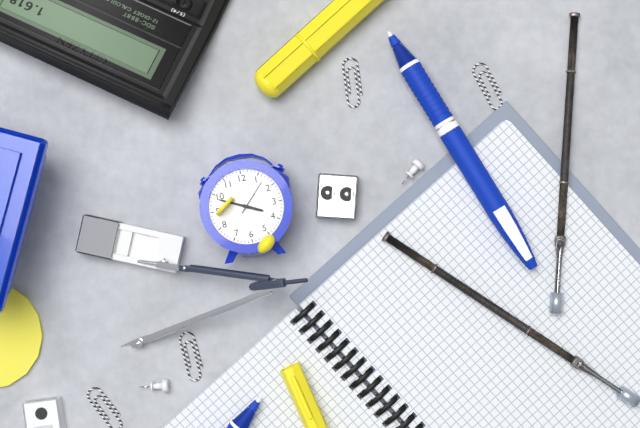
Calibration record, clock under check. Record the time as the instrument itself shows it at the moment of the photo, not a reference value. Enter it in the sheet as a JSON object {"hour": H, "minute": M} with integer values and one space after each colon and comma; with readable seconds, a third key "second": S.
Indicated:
{"hour": 3, "minute": 49}
